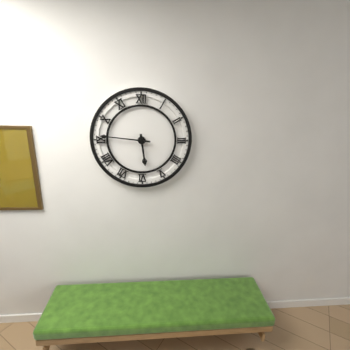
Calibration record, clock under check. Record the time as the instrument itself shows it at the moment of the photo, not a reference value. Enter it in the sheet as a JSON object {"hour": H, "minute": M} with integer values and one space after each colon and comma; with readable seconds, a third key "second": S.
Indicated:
{"hour": 5, "minute": 46}
